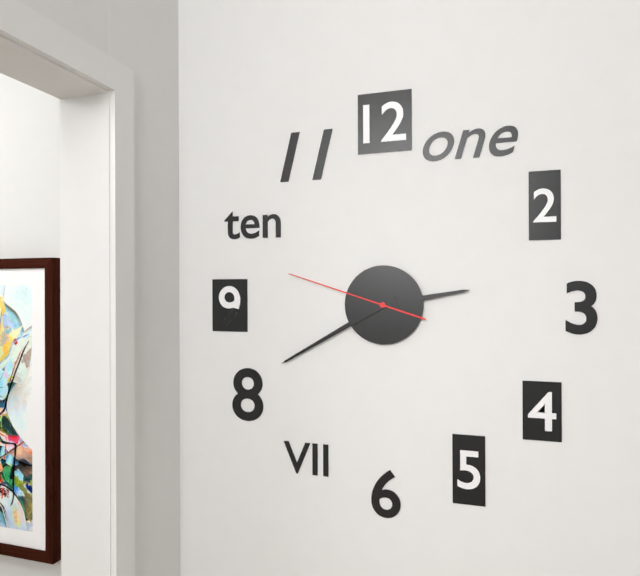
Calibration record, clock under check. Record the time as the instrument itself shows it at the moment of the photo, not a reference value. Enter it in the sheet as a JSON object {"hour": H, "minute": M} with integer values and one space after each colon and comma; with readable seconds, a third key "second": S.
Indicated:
{"hour": 2, "minute": 40, "second": 48}
